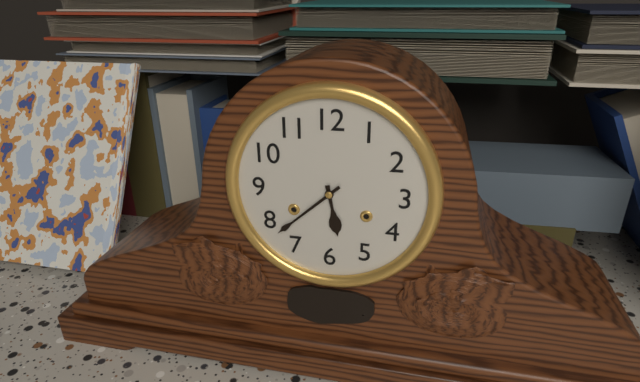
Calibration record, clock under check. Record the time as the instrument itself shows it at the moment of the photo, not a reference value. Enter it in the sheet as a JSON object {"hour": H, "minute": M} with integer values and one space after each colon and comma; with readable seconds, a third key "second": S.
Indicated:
{"hour": 5, "minute": 38}
